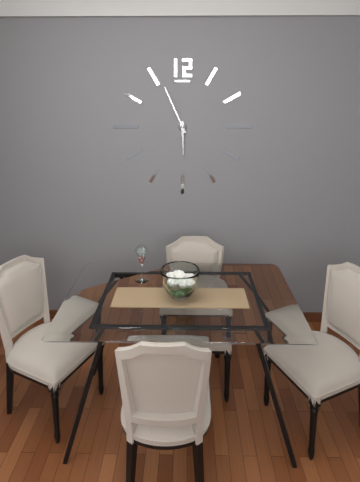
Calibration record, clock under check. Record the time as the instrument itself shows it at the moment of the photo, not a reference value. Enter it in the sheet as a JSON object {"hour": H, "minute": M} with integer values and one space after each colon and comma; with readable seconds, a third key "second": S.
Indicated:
{"hour": 5, "minute": 56}
